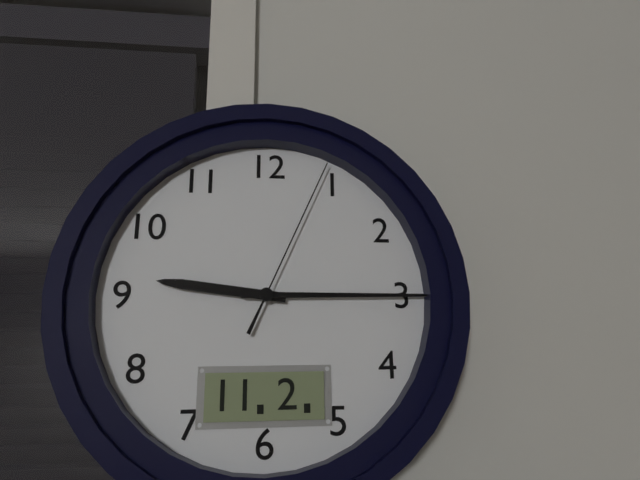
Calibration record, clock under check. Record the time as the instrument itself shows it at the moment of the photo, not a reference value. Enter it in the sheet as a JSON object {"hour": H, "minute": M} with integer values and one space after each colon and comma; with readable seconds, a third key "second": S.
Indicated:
{"hour": 9, "minute": 15, "second": 4}
